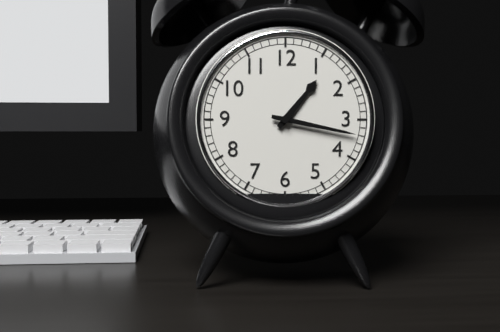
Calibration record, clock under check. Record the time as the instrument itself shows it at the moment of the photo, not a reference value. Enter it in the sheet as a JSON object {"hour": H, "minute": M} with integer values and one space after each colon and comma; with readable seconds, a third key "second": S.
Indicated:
{"hour": 1, "minute": 17}
